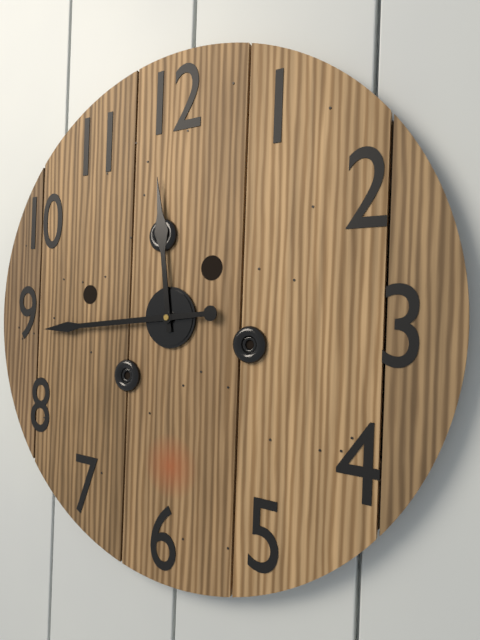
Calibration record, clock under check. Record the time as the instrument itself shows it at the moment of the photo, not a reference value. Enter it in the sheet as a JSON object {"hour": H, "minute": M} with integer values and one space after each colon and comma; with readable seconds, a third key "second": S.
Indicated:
{"hour": 11, "minute": 44}
